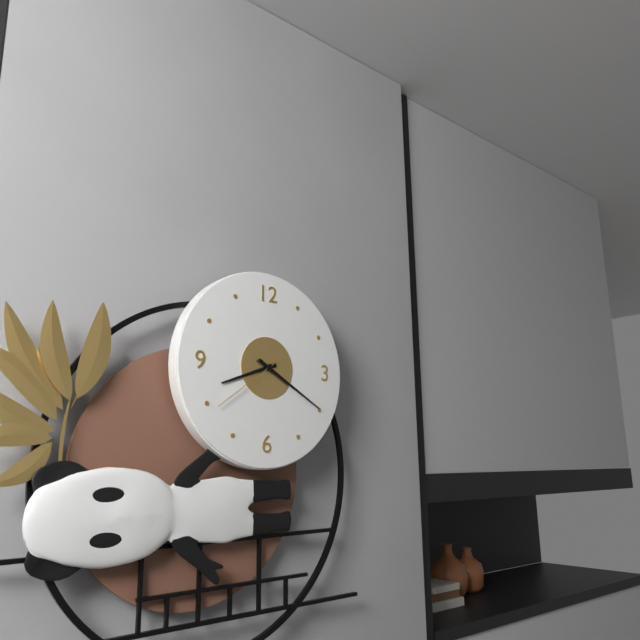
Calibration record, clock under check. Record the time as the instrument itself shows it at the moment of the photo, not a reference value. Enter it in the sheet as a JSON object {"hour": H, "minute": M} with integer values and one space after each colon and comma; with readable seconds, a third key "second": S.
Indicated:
{"hour": 8, "minute": 20, "second": 39}
